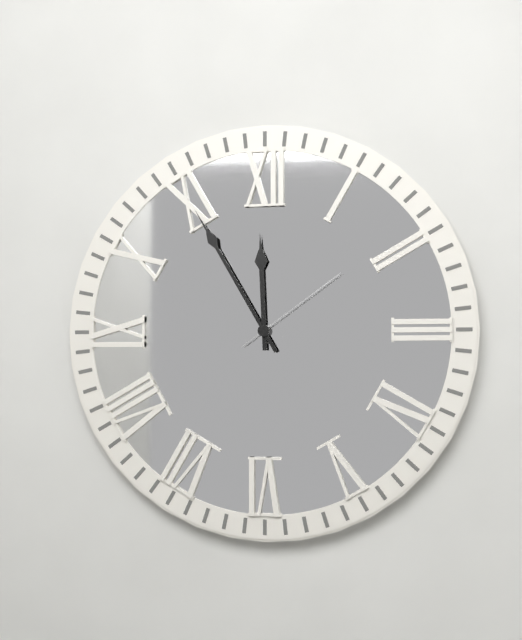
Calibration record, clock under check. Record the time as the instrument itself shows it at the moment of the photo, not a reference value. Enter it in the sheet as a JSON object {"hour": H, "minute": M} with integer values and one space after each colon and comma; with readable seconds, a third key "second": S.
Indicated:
{"hour": 11, "minute": 55, "second": 9}
